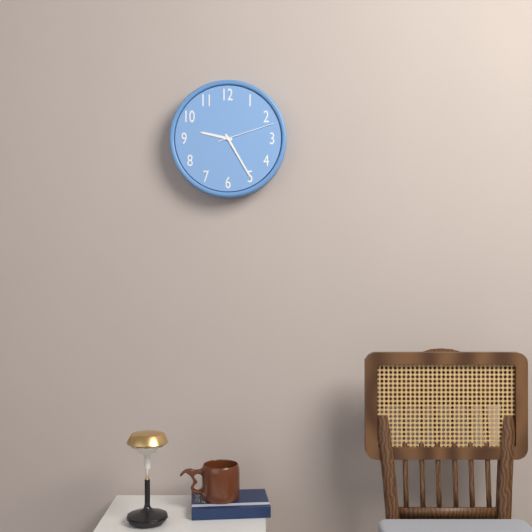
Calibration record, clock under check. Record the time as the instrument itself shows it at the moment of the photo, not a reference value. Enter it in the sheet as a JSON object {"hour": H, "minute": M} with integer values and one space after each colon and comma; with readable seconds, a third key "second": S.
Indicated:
{"hour": 9, "minute": 25, "second": 12}
